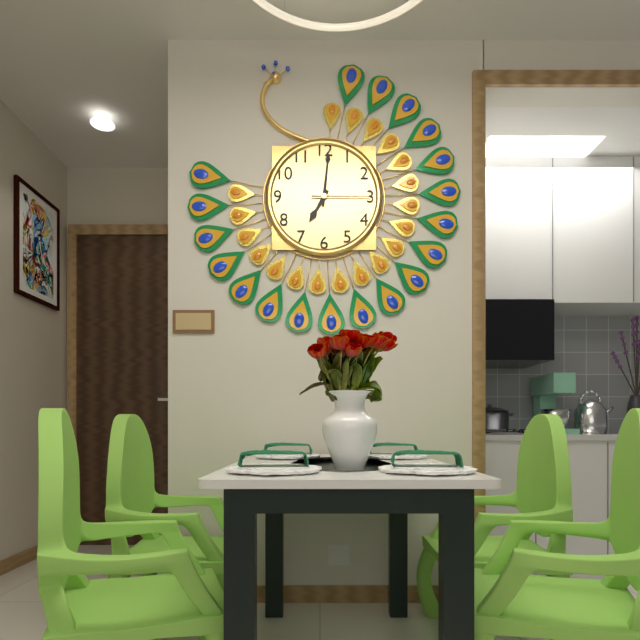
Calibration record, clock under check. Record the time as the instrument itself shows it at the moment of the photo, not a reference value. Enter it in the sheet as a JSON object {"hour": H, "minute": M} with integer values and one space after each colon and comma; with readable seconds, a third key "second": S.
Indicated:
{"hour": 7, "minute": 1, "second": 15}
